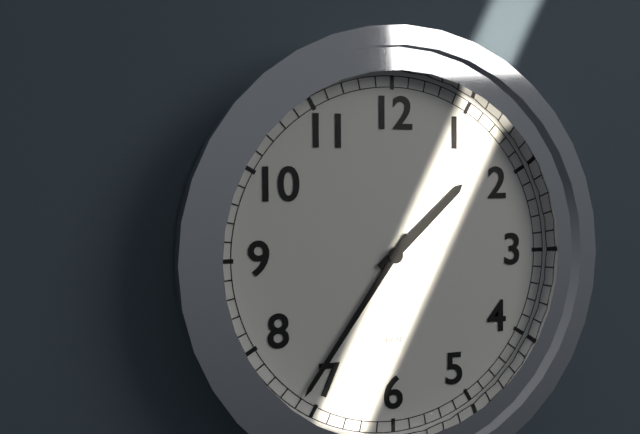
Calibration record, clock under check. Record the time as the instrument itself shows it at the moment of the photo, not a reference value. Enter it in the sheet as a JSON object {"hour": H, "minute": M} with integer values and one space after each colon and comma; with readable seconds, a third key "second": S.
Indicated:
{"hour": 1, "minute": 36}
